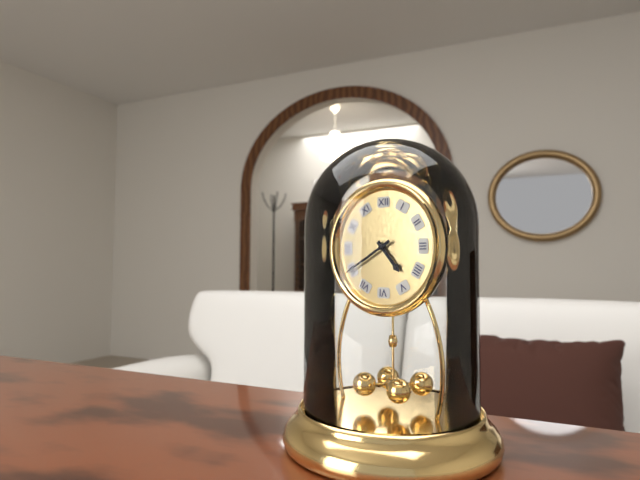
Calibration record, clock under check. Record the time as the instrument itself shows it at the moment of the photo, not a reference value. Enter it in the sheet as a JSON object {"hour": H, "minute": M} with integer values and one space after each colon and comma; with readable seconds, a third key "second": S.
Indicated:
{"hour": 4, "minute": 40}
